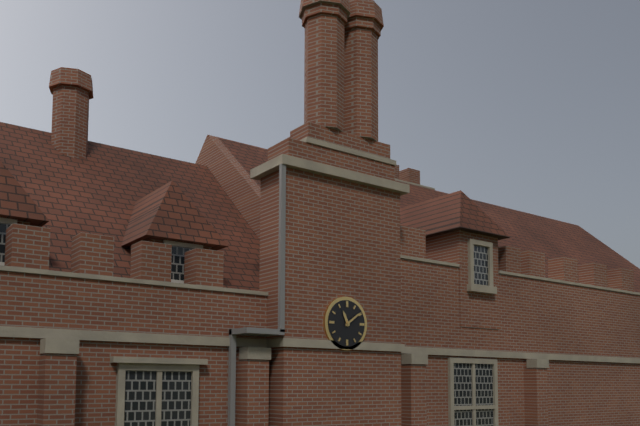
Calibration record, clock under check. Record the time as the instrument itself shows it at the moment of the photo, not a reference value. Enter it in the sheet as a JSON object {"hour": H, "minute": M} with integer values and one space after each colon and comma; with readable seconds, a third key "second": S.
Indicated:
{"hour": 11, "minute": 9}
